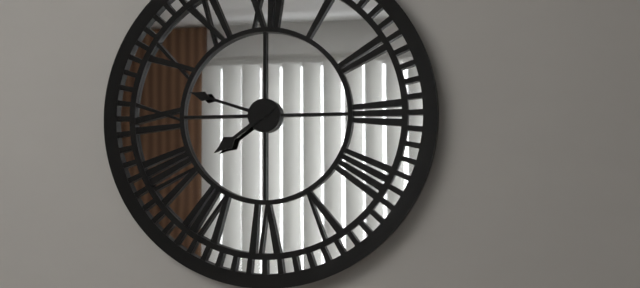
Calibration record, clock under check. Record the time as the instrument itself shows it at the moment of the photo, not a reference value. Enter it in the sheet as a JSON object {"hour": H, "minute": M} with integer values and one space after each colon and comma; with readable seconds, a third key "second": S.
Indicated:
{"hour": 7, "minute": 48}
